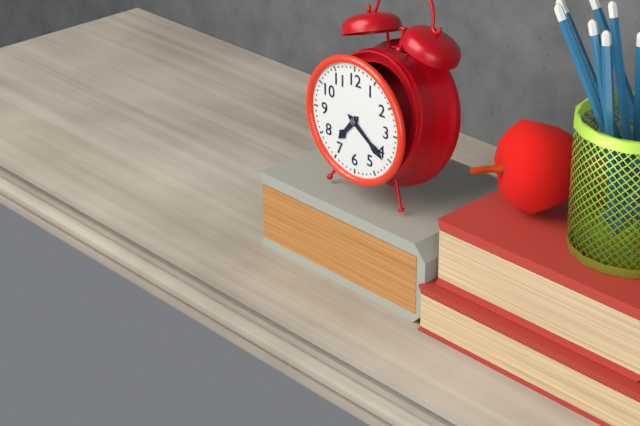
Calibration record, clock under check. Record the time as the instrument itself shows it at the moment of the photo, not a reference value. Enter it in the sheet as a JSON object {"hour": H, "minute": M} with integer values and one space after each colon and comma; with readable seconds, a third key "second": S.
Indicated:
{"hour": 7, "minute": 21}
